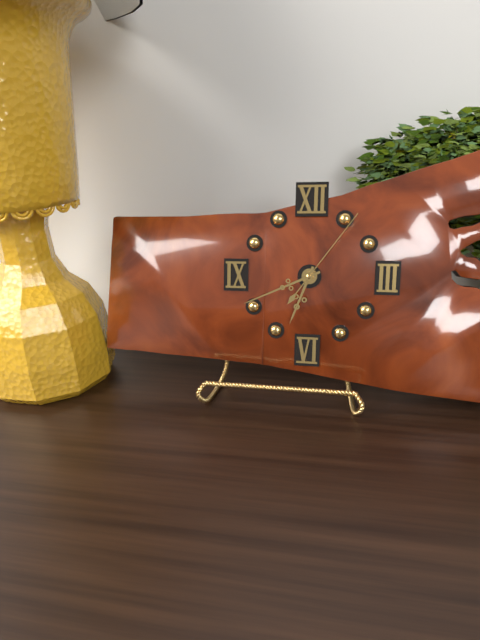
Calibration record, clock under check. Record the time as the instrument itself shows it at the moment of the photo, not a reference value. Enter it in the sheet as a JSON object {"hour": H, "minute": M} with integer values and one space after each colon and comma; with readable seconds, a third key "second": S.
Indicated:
{"hour": 6, "minute": 41, "second": 6}
